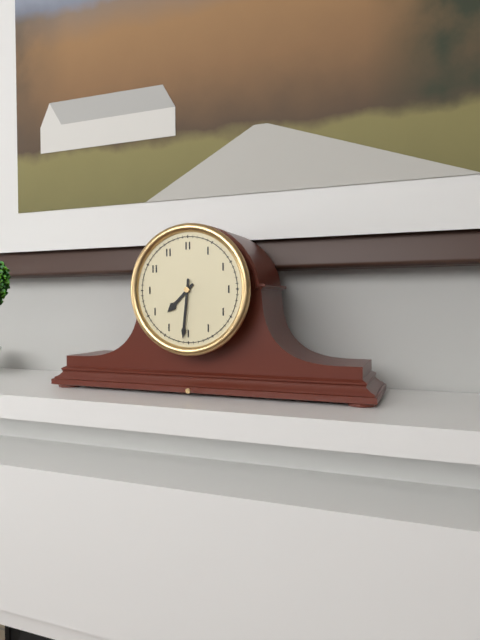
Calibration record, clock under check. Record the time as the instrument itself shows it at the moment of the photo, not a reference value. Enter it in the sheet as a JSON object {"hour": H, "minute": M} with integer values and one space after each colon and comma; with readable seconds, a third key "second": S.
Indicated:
{"hour": 7, "minute": 31}
